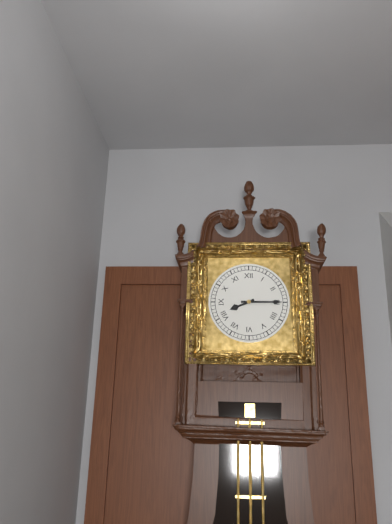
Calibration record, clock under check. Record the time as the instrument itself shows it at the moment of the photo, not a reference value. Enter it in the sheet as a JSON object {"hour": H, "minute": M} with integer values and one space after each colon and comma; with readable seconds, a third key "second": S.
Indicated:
{"hour": 8, "minute": 15}
